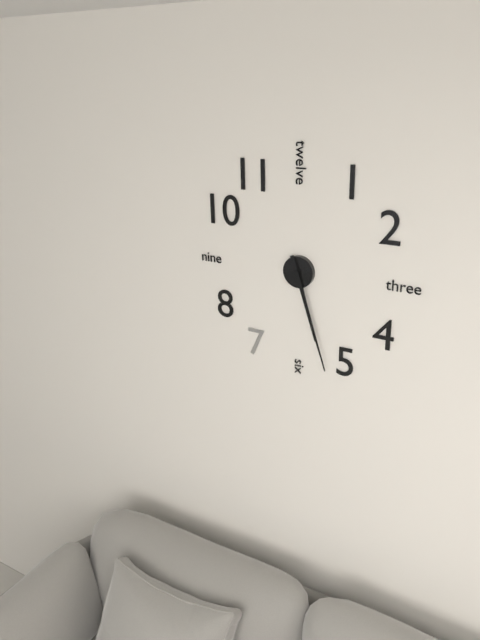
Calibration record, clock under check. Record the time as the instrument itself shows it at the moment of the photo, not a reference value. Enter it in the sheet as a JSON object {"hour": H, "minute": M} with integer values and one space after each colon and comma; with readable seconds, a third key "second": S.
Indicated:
{"hour": 5, "minute": 27}
